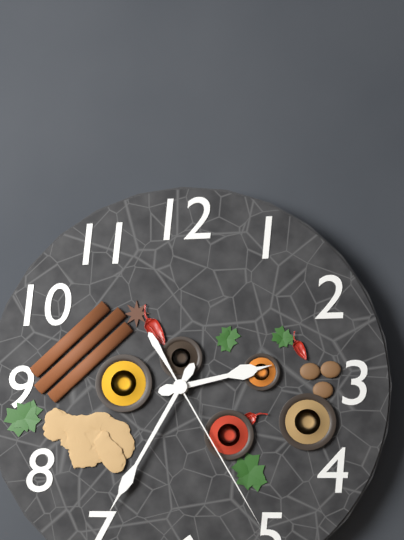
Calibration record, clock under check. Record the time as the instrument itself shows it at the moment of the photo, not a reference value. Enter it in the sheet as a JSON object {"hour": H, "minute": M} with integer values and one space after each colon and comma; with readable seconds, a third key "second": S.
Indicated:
{"hour": 2, "minute": 35, "second": 25}
